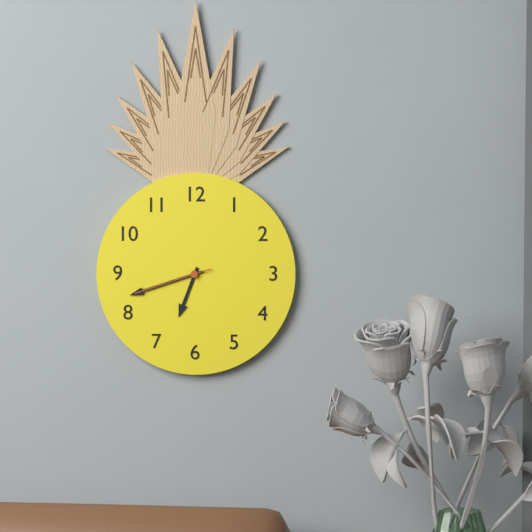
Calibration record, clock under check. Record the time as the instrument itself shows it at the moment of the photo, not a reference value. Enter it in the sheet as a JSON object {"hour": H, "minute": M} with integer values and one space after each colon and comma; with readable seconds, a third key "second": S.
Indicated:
{"hour": 6, "minute": 42, "second": 42}
